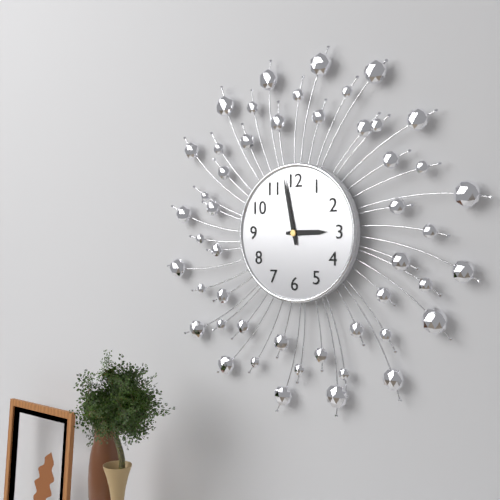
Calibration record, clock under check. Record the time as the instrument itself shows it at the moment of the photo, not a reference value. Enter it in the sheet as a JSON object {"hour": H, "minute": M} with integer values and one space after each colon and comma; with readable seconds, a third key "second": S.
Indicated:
{"hour": 2, "minute": 58}
